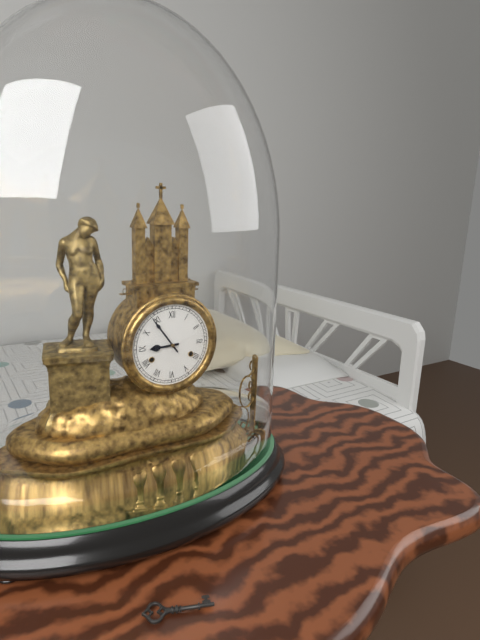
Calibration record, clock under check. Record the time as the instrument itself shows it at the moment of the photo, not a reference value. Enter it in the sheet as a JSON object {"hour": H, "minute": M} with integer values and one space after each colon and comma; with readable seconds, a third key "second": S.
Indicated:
{"hour": 8, "minute": 54}
